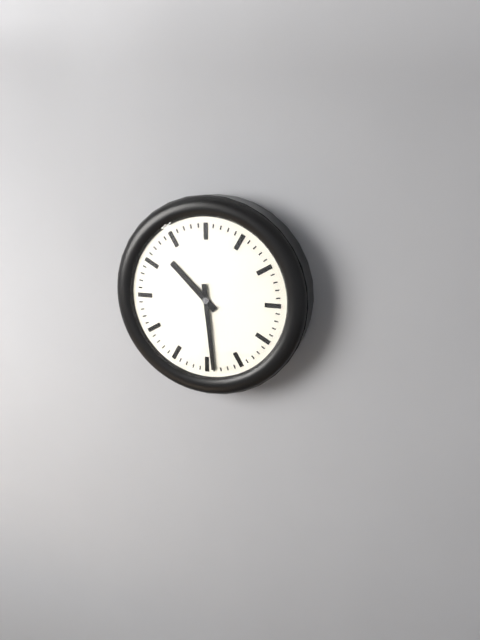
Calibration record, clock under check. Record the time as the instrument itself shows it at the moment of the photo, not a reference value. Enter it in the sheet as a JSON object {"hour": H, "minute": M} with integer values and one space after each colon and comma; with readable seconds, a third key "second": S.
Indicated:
{"hour": 10, "minute": 29}
